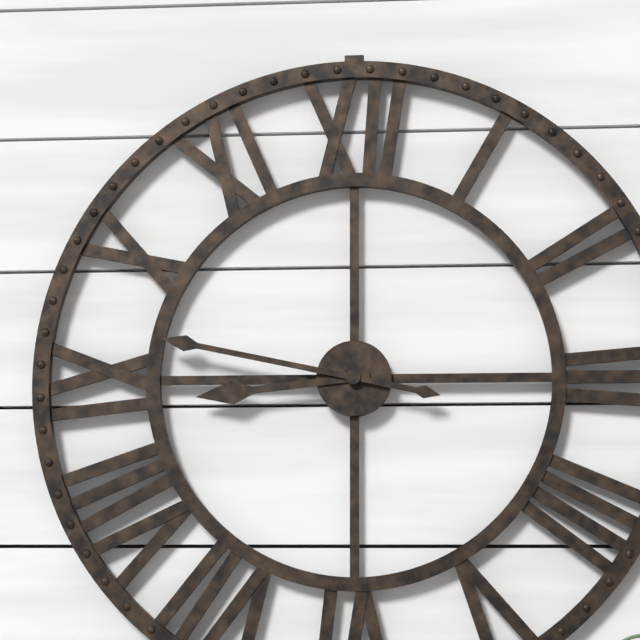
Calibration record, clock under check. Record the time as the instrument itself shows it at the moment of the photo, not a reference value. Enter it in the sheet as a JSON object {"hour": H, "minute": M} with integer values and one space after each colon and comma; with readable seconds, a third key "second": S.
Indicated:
{"hour": 8, "minute": 47}
